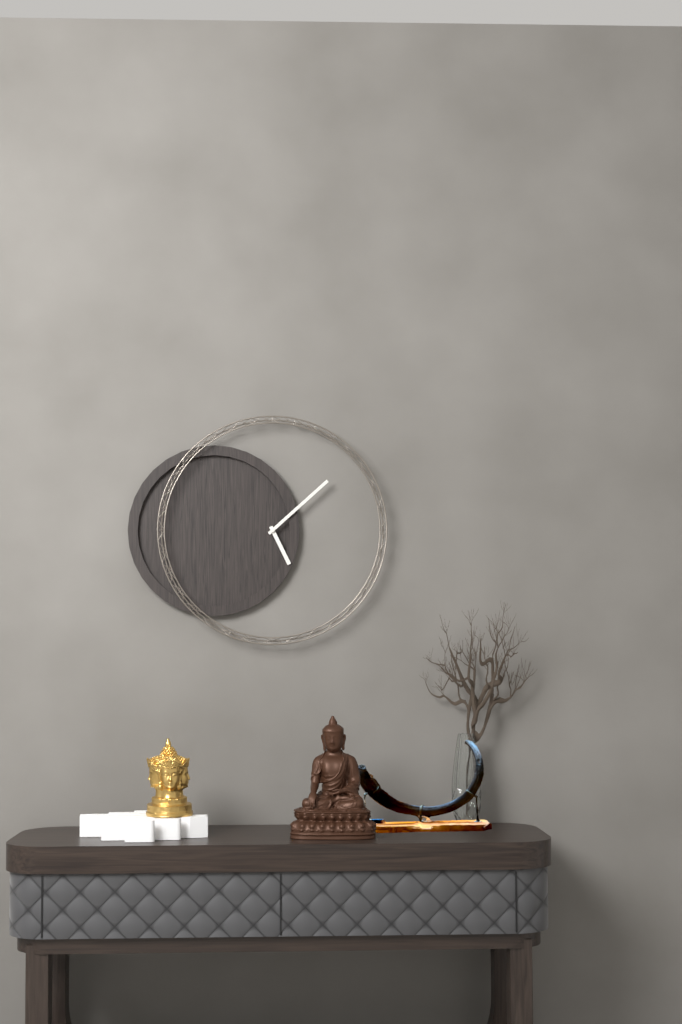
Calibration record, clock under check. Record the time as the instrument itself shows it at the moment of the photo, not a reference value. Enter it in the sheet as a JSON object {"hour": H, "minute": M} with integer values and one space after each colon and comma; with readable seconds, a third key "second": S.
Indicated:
{"hour": 5, "minute": 8}
